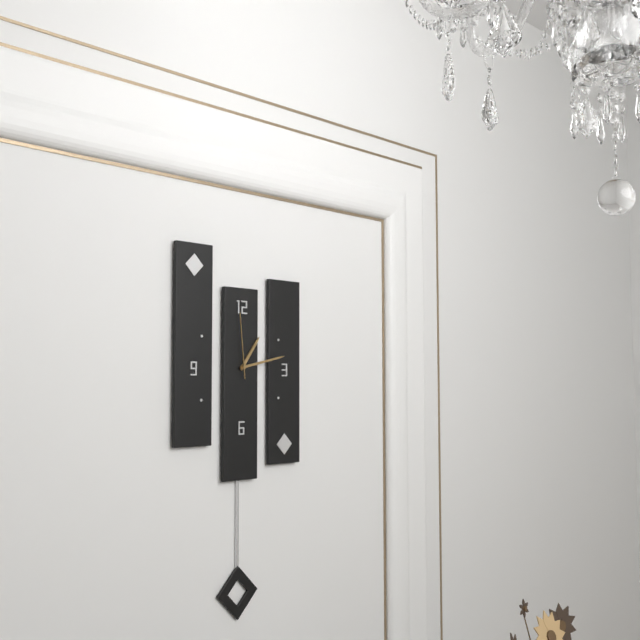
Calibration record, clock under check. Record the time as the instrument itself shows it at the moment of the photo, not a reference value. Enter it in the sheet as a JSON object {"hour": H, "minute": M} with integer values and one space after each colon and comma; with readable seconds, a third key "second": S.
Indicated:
{"hour": 1, "minute": 13, "second": 59}
